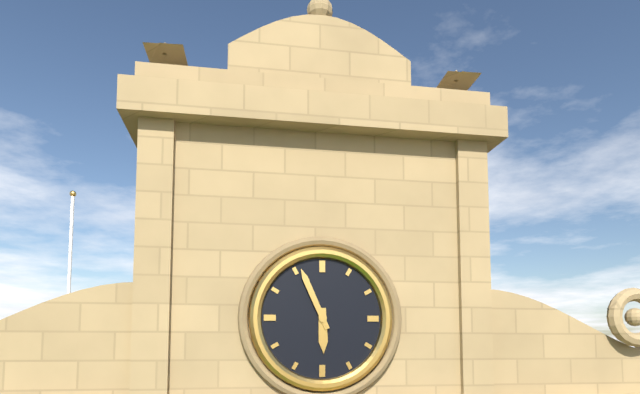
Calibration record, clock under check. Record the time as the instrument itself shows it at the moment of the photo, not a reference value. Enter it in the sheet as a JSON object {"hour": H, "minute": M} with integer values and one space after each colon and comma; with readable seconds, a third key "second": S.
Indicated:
{"hour": 5, "minute": 56}
